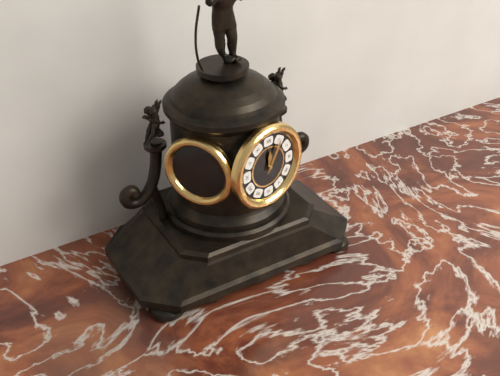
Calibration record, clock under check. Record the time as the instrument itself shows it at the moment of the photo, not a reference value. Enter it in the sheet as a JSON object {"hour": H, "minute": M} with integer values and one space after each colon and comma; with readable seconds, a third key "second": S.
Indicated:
{"hour": 12, "minute": 5}
